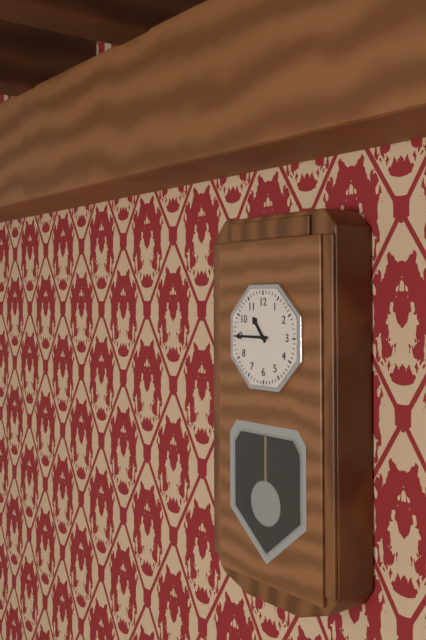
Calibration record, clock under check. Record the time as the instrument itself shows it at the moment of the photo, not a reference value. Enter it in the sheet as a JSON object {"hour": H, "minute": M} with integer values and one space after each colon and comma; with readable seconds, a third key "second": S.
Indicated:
{"hour": 10, "minute": 45}
